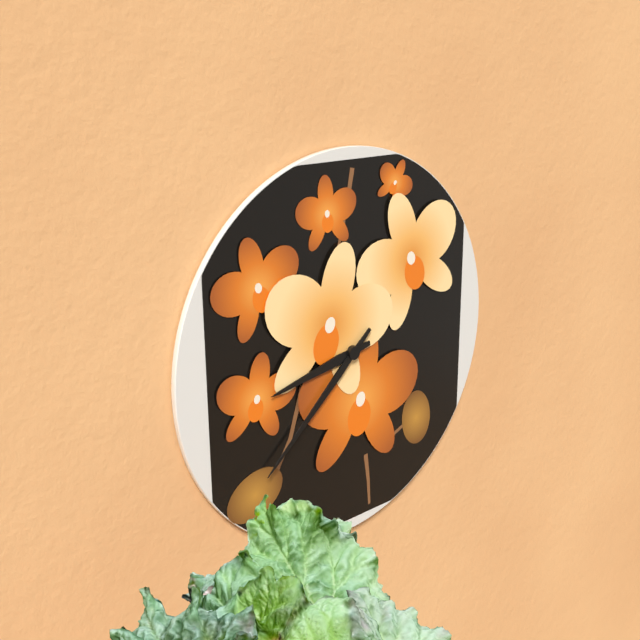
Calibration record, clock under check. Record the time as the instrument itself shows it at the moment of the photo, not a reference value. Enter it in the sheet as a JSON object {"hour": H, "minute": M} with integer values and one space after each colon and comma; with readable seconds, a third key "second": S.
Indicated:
{"hour": 8, "minute": 38}
